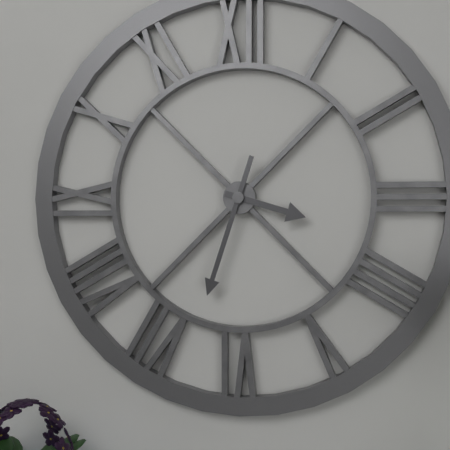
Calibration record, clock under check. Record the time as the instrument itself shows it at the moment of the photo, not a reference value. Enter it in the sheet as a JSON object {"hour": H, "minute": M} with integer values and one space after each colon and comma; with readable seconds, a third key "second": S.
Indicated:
{"hour": 3, "minute": 33}
